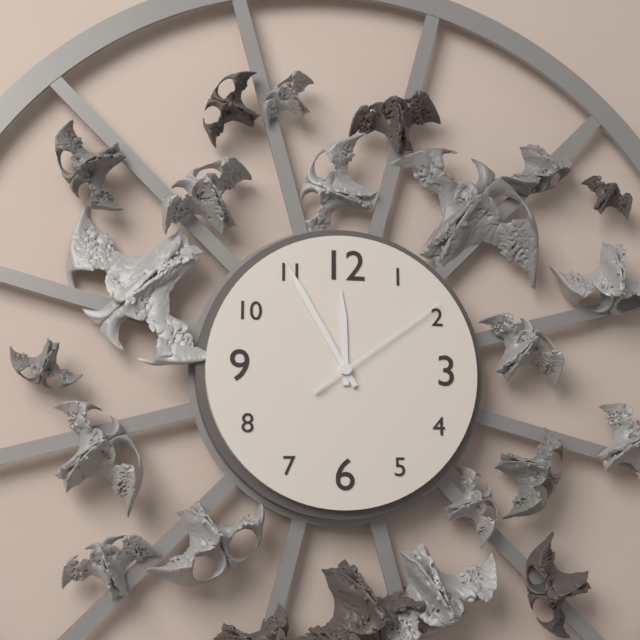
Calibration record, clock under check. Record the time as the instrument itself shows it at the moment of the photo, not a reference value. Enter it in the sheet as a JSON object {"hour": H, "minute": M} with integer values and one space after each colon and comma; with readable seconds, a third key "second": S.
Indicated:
{"hour": 11, "minute": 55, "second": 9}
